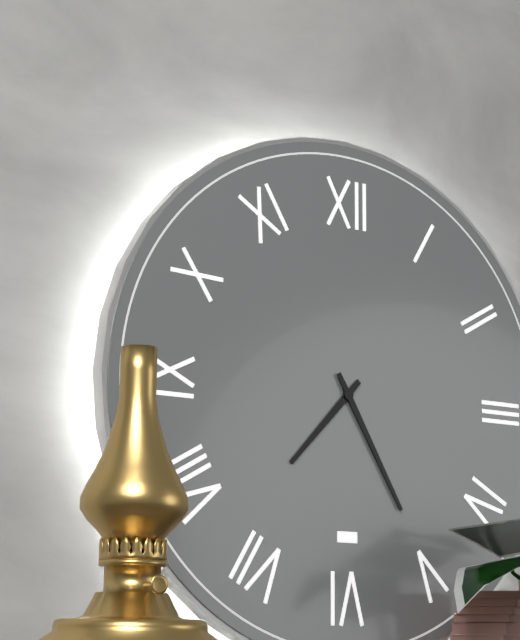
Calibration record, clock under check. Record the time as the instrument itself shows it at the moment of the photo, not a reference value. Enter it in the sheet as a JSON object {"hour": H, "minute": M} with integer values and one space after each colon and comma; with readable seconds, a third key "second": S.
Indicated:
{"hour": 7, "minute": 25}
